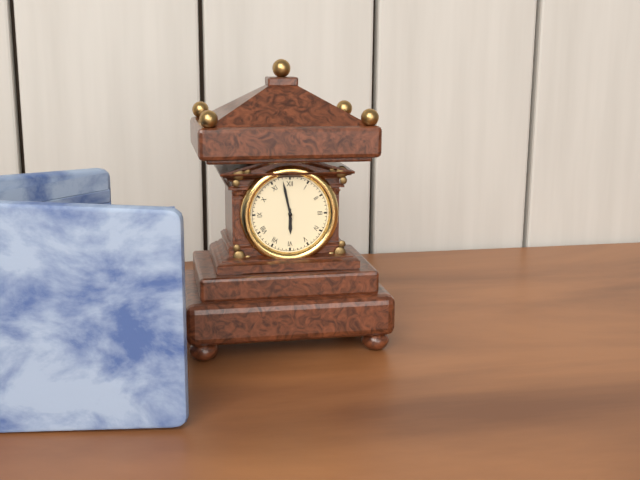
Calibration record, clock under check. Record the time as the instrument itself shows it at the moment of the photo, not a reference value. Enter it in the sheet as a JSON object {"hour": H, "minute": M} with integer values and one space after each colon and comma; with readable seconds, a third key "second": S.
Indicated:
{"hour": 5, "minute": 58}
